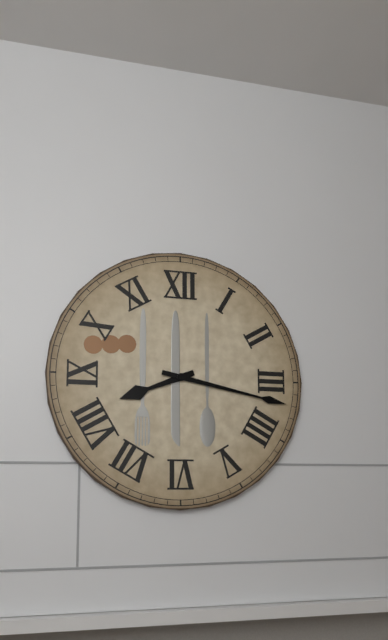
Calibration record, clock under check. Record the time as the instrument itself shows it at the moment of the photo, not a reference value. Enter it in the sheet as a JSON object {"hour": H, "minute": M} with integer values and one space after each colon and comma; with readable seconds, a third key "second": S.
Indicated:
{"hour": 8, "minute": 17}
